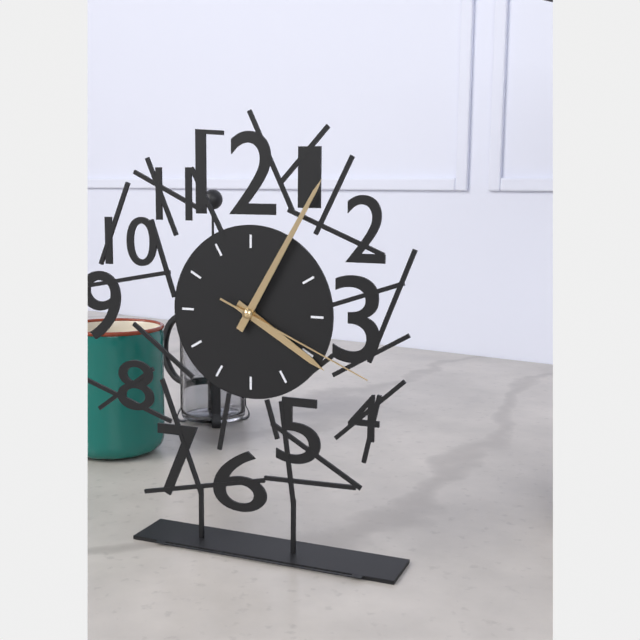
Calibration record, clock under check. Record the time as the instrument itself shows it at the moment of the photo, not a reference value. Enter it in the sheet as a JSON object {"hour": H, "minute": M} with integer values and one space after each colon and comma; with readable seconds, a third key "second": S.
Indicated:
{"hour": 4, "minute": 5, "second": 19}
